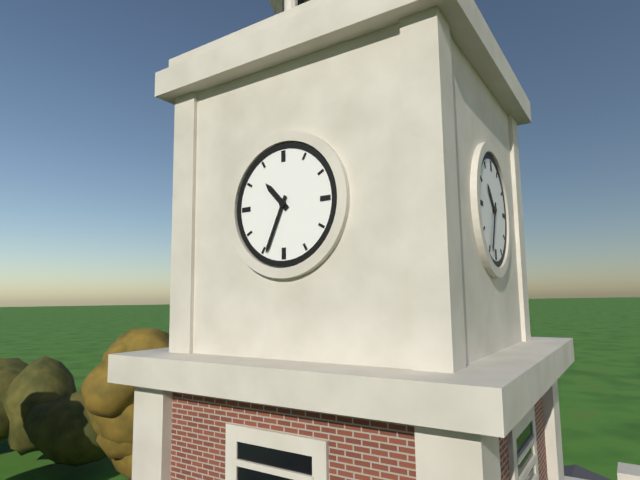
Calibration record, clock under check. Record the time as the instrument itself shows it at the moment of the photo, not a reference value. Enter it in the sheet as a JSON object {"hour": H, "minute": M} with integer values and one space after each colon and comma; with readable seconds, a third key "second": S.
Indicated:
{"hour": 10, "minute": 34}
